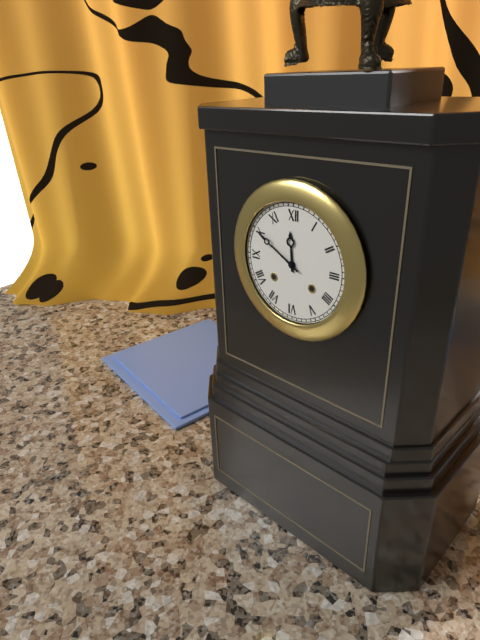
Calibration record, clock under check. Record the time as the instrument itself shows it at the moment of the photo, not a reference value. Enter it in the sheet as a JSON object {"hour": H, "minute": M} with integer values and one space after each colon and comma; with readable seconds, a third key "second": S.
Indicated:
{"hour": 11, "minute": 50}
